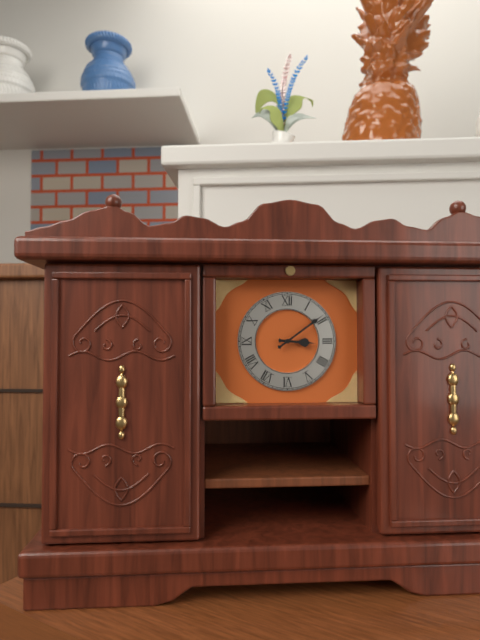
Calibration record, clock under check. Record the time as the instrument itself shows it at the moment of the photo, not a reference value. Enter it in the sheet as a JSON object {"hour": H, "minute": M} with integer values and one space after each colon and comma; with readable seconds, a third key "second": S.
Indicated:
{"hour": 3, "minute": 9}
